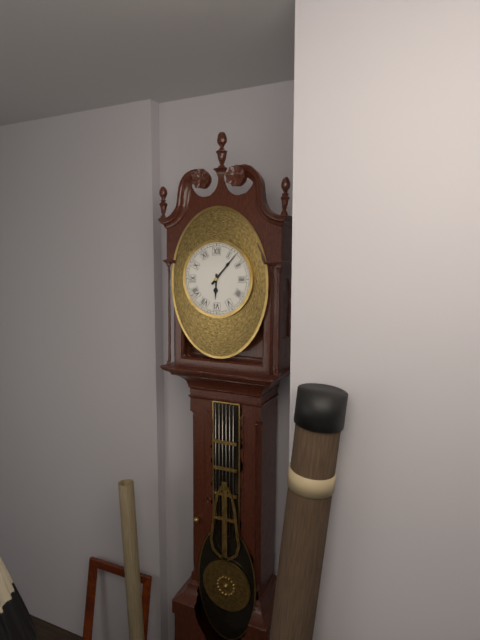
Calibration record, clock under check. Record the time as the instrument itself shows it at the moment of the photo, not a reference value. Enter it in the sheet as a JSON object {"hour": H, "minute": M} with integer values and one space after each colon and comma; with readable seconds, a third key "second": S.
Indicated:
{"hour": 6, "minute": 7}
